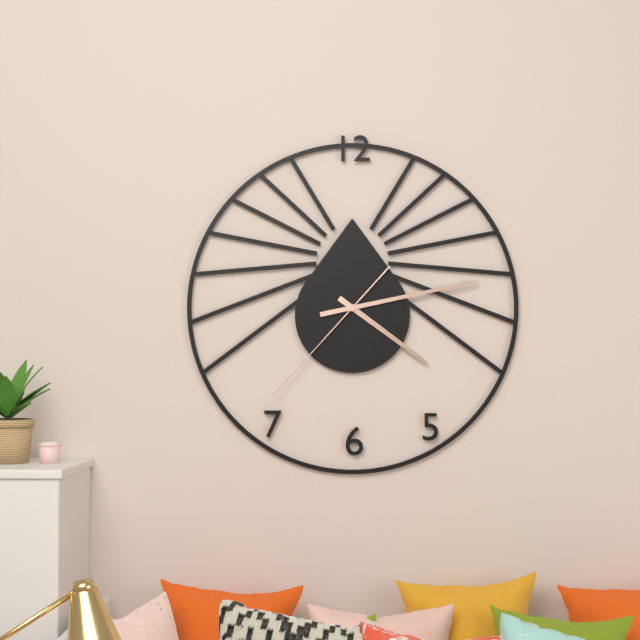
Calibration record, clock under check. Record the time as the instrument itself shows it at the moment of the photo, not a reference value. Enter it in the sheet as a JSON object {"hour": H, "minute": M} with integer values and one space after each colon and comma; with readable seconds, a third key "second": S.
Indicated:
{"hour": 4, "minute": 13, "second": 37}
